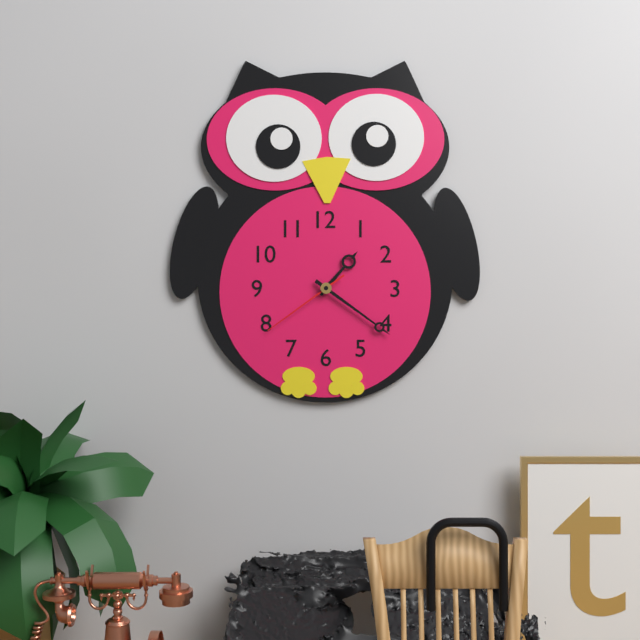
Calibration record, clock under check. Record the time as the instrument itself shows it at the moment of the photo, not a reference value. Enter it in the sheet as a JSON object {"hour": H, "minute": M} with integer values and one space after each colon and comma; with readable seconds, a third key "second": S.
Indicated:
{"hour": 1, "minute": 21, "second": 39}
